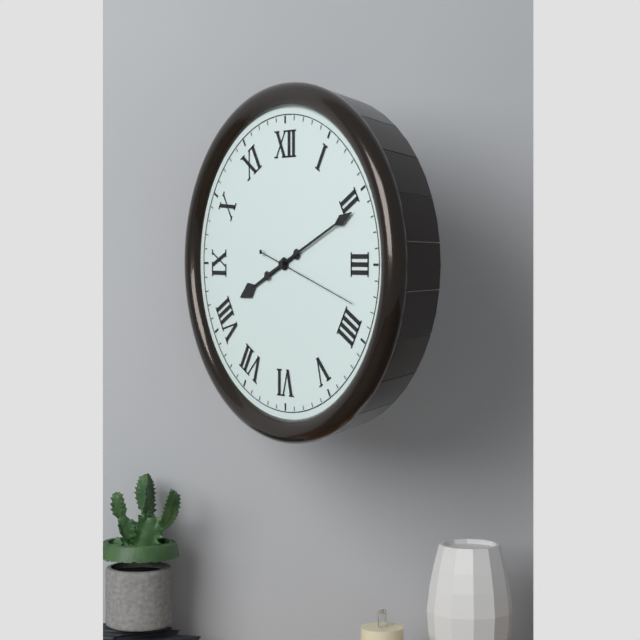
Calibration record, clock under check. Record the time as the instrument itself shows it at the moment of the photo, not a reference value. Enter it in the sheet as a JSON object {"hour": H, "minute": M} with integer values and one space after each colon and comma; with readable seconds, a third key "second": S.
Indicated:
{"hour": 8, "minute": 11, "second": 18}
